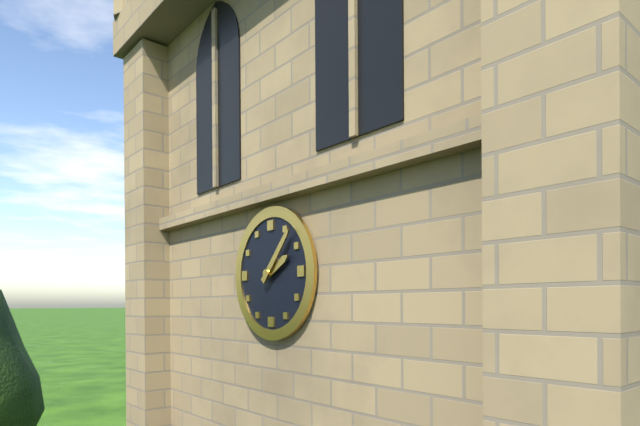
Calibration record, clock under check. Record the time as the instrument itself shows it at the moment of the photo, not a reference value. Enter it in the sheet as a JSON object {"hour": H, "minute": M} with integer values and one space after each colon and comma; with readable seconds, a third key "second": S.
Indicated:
{"hour": 2, "minute": 7}
